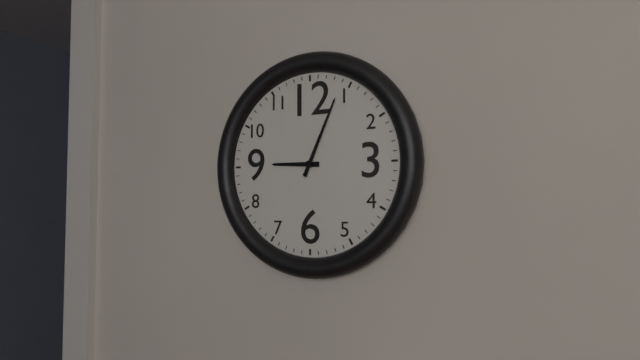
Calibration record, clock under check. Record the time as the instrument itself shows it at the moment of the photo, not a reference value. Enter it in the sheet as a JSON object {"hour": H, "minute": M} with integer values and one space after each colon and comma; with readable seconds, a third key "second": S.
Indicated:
{"hour": 9, "minute": 4}
